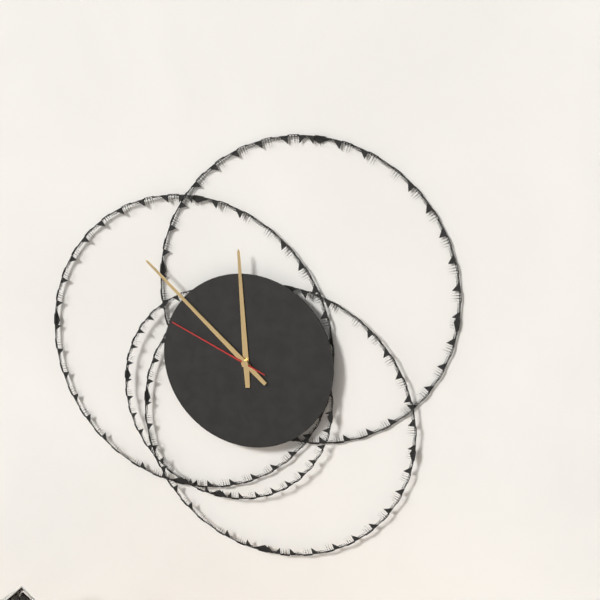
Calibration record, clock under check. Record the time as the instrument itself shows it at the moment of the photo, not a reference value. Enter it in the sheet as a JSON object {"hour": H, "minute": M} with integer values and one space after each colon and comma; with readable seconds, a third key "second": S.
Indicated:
{"hour": 11, "minute": 52, "second": 49}
